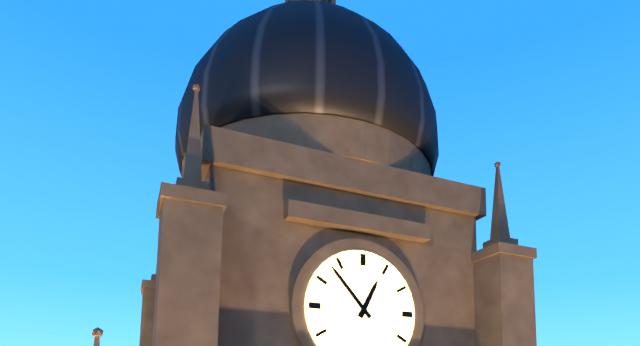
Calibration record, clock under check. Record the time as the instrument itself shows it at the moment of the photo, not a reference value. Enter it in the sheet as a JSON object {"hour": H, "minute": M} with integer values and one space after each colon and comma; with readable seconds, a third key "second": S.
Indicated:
{"hour": 12, "minute": 53}
